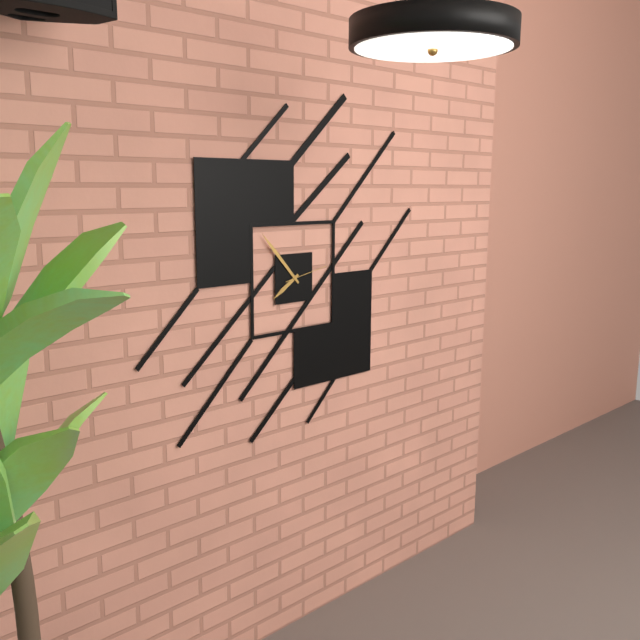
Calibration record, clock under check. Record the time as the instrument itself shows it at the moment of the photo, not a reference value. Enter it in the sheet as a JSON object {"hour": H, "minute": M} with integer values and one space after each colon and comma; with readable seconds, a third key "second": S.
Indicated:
{"hour": 7, "minute": 53}
